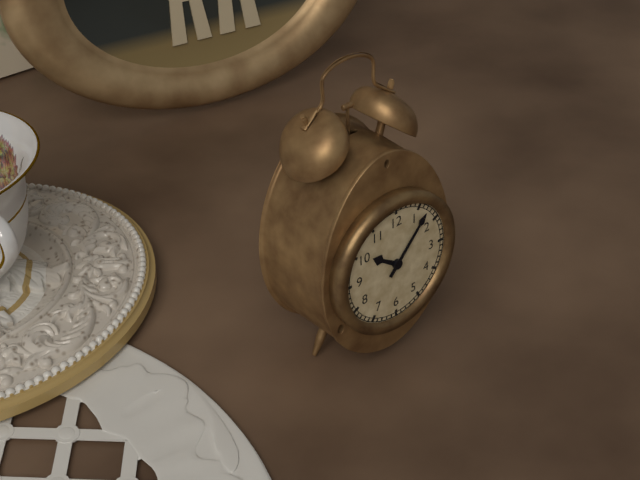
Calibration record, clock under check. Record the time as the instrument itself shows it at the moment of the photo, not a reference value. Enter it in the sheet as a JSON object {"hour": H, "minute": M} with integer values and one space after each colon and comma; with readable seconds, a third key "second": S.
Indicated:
{"hour": 10, "minute": 7}
